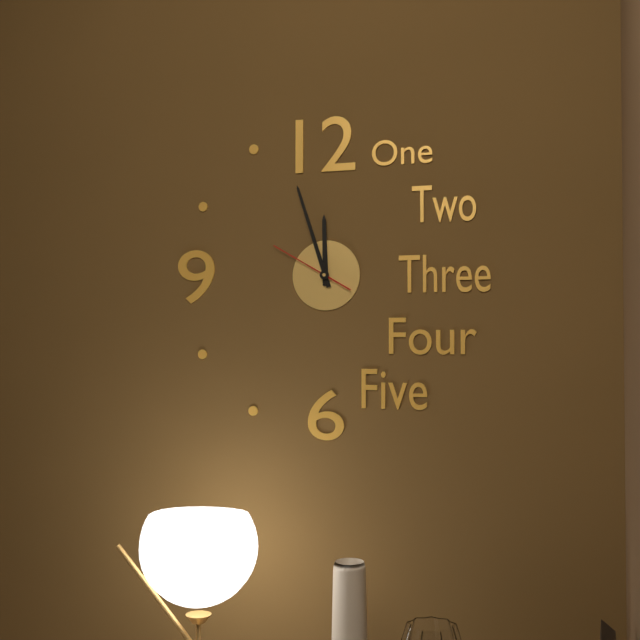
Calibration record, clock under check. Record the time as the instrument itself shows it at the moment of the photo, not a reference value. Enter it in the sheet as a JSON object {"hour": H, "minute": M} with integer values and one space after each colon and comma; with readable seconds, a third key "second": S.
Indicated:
{"hour": 11, "minute": 57, "second": 50}
